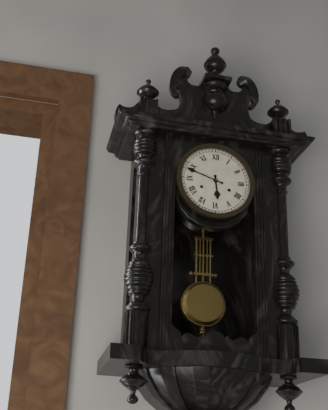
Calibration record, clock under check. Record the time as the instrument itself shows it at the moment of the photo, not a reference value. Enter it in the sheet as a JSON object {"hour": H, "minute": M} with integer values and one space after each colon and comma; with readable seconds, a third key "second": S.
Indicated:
{"hour": 5, "minute": 48}
